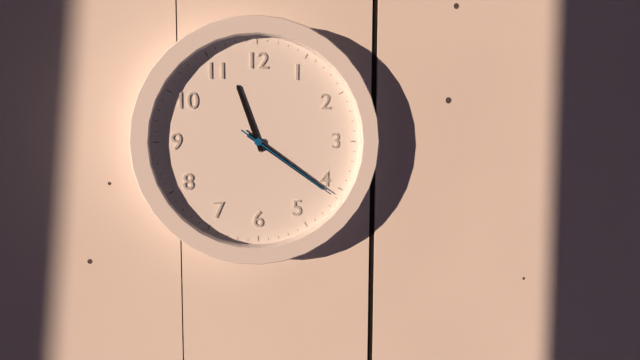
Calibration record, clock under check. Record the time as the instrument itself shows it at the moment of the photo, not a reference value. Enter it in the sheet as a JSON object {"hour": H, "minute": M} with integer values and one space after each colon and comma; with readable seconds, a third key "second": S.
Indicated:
{"hour": 11, "minute": 21, "second": 21}
